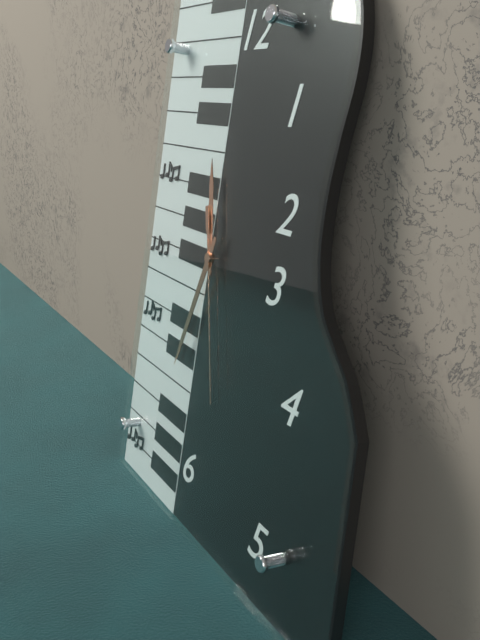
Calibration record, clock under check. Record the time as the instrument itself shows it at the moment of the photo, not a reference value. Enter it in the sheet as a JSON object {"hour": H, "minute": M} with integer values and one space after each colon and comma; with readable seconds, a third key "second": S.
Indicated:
{"hour": 11, "minute": 33, "second": 27}
